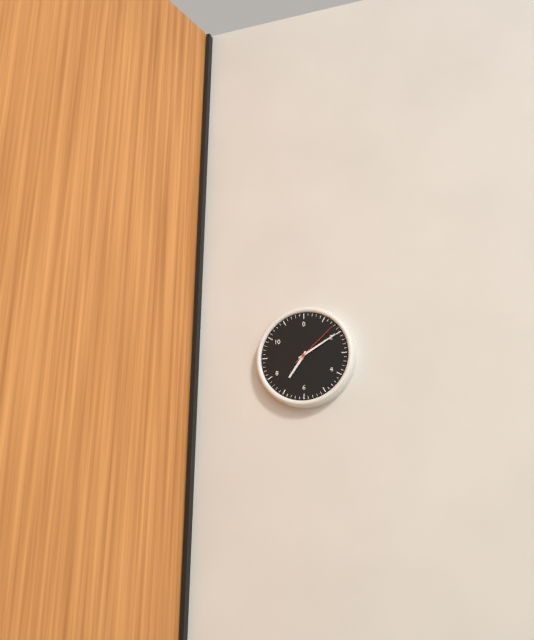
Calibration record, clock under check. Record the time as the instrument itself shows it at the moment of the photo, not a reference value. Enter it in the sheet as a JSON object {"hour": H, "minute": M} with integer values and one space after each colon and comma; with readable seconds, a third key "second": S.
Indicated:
{"hour": 7, "minute": 10, "second": 8}
